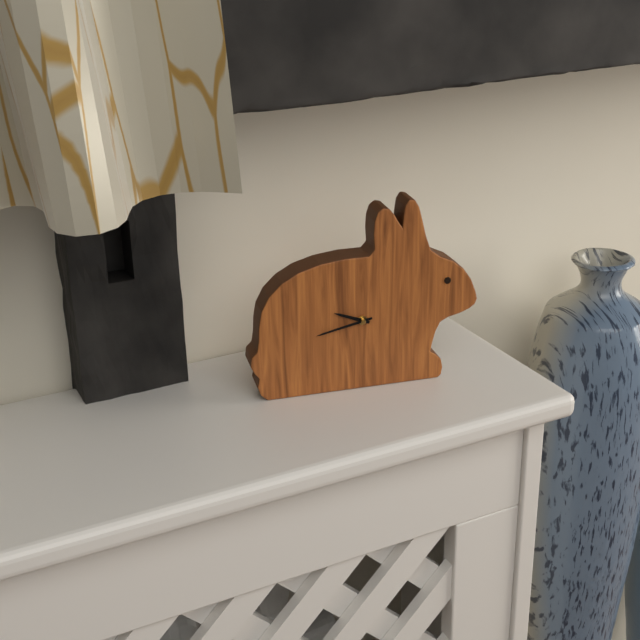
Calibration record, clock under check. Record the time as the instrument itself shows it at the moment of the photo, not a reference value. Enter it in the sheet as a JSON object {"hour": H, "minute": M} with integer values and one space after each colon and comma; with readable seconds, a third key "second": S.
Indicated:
{"hour": 9, "minute": 43}
